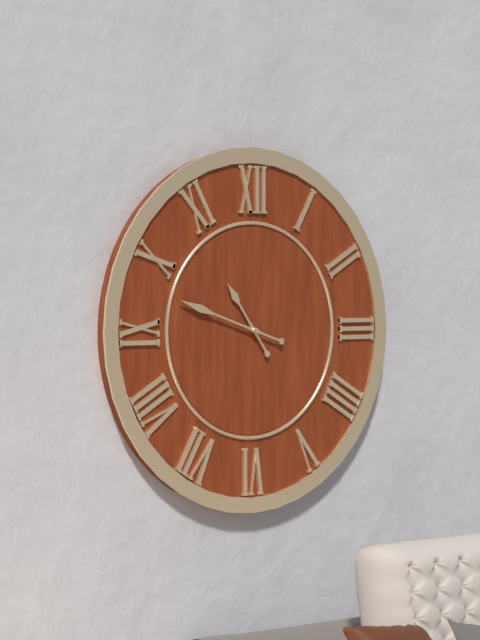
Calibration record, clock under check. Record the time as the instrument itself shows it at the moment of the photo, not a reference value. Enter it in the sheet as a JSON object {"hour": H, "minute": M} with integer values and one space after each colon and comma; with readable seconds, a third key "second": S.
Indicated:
{"hour": 10, "minute": 48}
